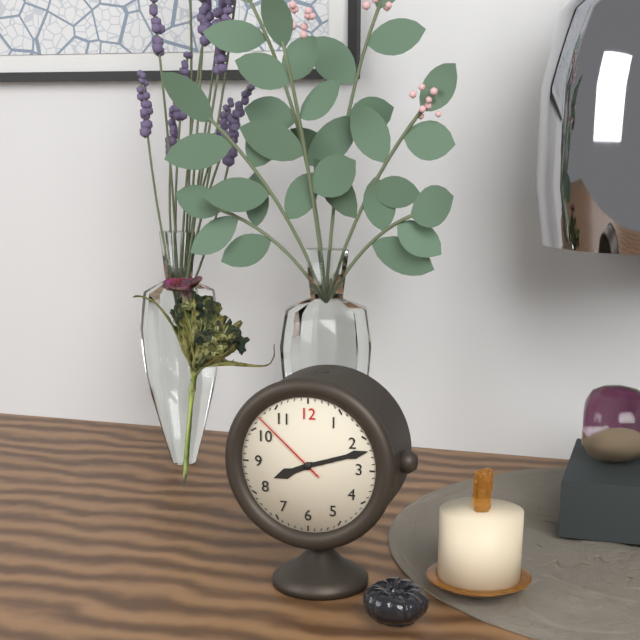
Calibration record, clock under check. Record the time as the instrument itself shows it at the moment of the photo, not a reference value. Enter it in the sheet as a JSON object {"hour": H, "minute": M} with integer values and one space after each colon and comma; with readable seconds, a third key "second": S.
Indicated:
{"hour": 8, "minute": 12, "second": 52}
